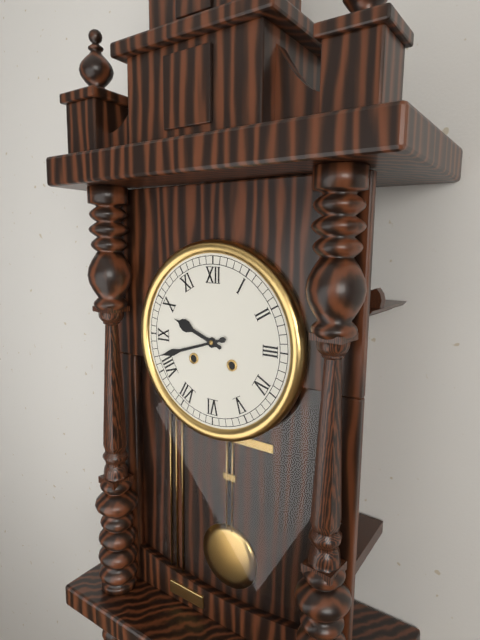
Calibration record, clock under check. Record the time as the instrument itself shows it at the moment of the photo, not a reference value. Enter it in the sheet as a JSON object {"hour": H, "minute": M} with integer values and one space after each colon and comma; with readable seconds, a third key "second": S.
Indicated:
{"hour": 9, "minute": 42}
